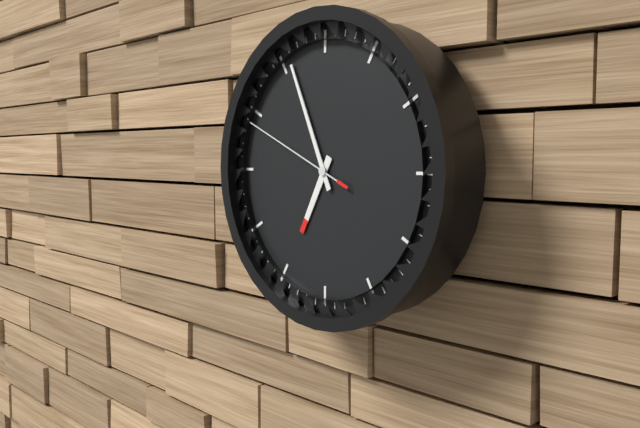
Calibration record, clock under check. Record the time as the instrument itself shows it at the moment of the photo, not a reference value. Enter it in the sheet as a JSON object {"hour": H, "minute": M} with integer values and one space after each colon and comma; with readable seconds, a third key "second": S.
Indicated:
{"hour": 6, "minute": 56, "second": 49}
